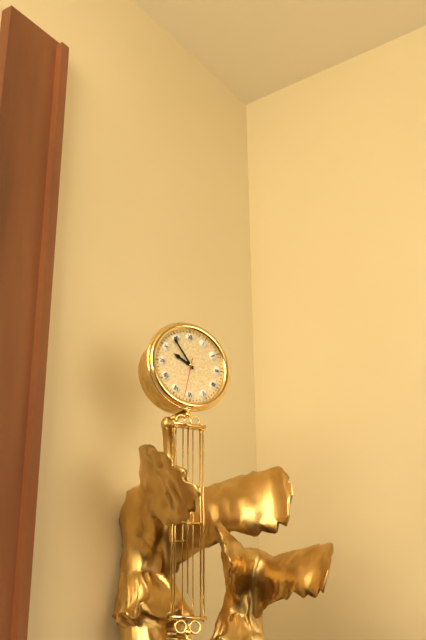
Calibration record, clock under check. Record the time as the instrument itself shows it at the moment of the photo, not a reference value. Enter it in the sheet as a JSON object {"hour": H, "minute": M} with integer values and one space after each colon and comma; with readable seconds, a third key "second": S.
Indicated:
{"hour": 9, "minute": 54}
